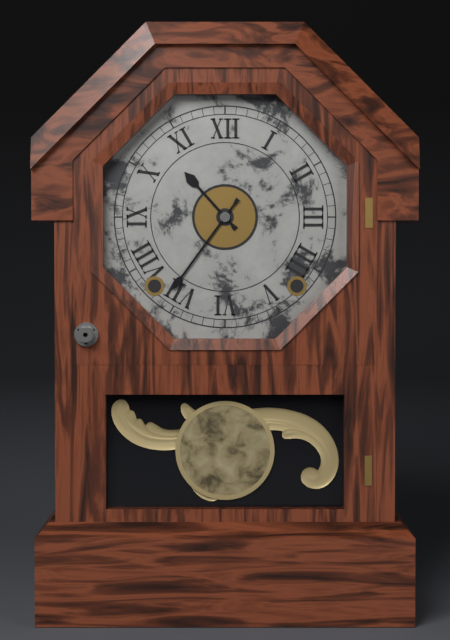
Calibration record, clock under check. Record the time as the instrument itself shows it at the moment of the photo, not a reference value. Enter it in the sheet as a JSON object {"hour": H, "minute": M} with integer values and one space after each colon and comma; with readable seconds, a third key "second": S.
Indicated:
{"hour": 10, "minute": 36}
